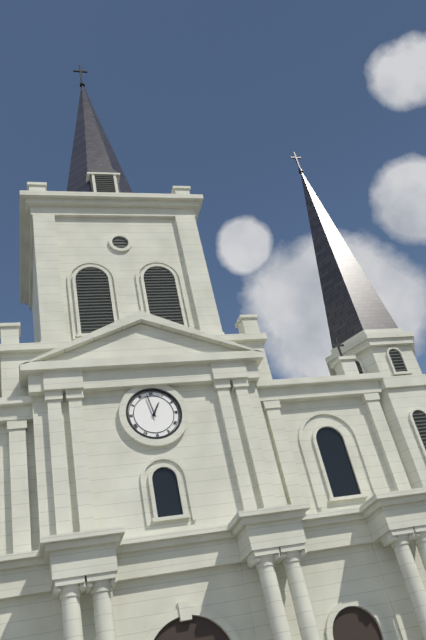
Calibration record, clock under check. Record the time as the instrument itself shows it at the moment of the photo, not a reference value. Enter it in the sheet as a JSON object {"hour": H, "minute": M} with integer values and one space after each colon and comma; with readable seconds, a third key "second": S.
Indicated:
{"hour": 12, "minute": 58}
